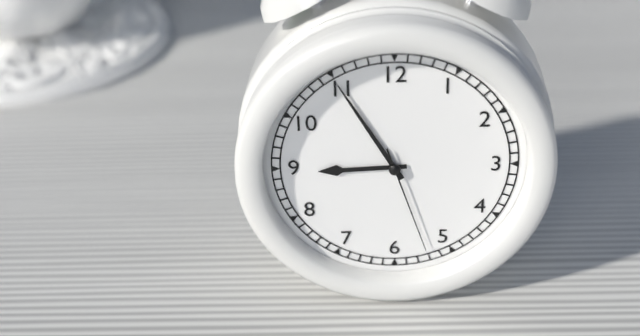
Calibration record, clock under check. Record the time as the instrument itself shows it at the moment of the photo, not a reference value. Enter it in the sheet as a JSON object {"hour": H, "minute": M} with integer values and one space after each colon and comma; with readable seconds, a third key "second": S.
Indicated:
{"hour": 8, "minute": 55, "second": 27}
